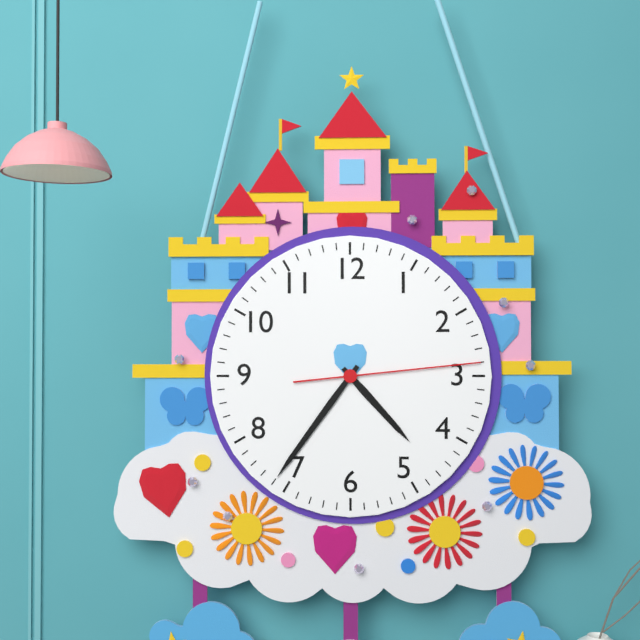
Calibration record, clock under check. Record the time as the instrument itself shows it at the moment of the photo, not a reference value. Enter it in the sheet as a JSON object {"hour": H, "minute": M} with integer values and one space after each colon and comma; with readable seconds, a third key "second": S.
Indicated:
{"hour": 4, "minute": 36, "second": 14}
